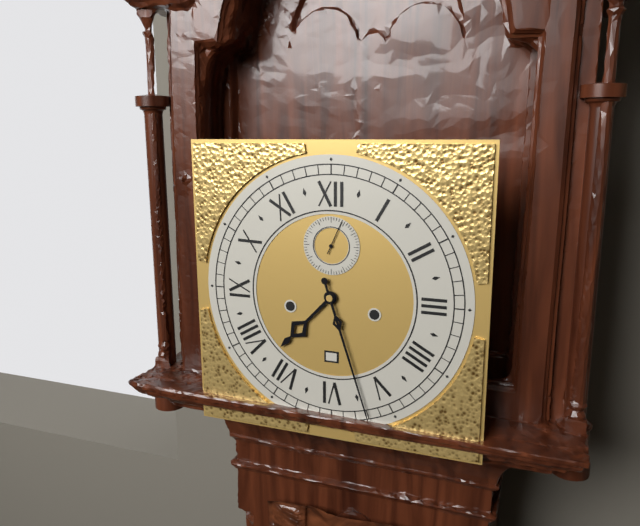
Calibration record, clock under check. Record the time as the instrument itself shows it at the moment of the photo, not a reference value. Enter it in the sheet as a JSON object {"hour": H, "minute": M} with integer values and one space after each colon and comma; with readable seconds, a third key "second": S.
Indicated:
{"hour": 7, "minute": 27}
